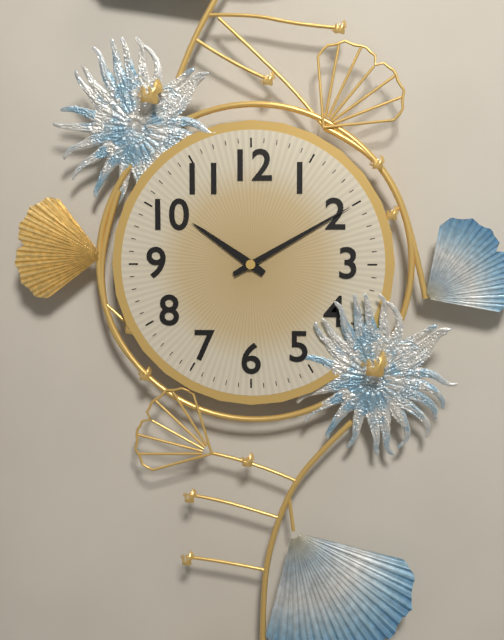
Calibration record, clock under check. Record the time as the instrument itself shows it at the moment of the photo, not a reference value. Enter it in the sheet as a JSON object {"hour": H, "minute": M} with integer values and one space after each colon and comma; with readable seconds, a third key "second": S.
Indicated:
{"hour": 10, "minute": 10}
